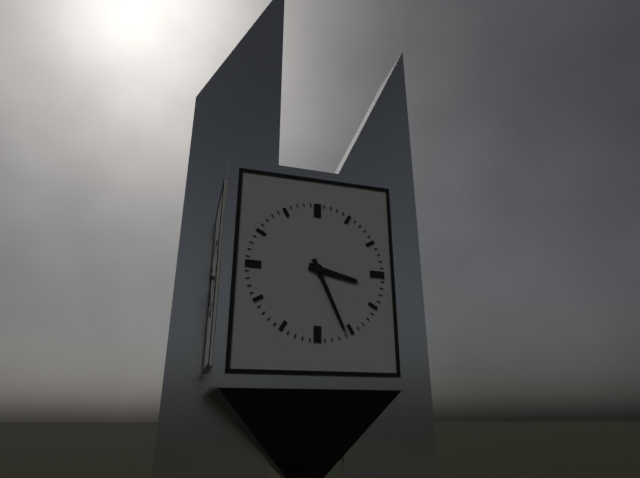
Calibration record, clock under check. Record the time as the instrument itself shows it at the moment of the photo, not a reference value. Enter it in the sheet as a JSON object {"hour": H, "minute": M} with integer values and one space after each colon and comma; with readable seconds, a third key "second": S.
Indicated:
{"hour": 3, "minute": 26}
